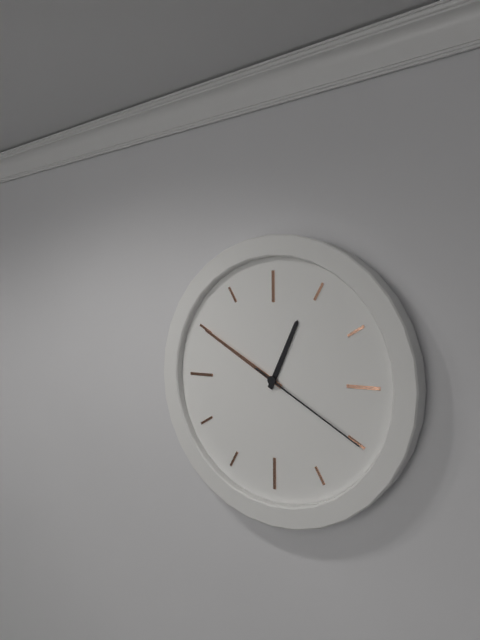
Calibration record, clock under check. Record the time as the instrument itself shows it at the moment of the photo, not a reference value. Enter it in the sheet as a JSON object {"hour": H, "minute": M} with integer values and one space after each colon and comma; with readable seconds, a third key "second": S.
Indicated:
{"hour": 12, "minute": 50, "second": 20}
